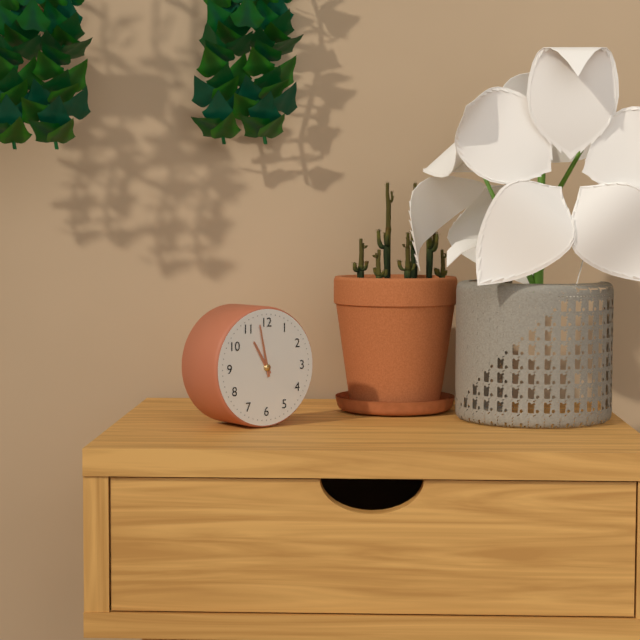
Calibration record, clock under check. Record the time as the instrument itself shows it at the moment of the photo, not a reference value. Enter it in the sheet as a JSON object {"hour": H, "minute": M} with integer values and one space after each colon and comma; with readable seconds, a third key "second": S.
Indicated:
{"hour": 10, "minute": 58}
